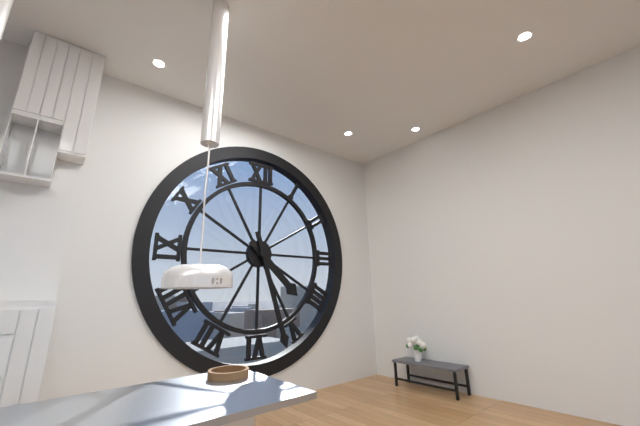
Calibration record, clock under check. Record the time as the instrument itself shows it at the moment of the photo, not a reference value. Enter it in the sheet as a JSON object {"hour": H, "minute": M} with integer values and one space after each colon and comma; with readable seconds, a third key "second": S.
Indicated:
{"hour": 4, "minute": 27}
